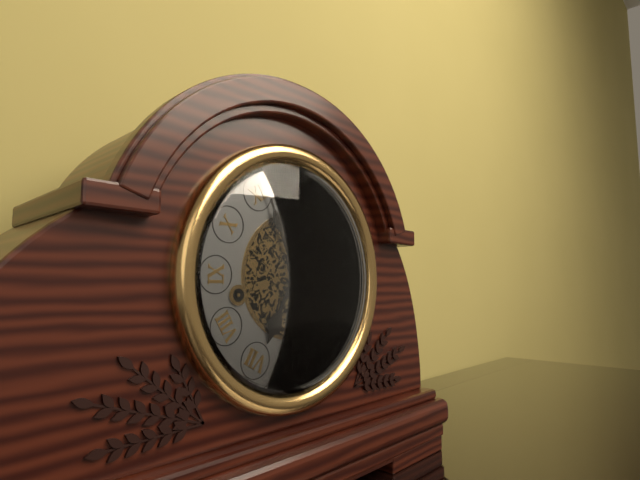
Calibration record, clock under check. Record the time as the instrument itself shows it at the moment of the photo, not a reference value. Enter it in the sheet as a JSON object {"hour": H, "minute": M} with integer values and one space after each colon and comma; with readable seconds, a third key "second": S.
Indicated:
{"hour": 6, "minute": 56}
